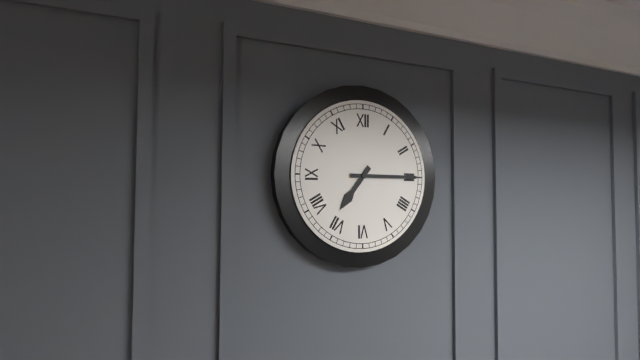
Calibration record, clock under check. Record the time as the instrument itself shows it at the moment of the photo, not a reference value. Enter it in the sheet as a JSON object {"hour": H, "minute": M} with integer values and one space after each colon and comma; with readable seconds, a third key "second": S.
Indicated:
{"hour": 7, "minute": 15}
